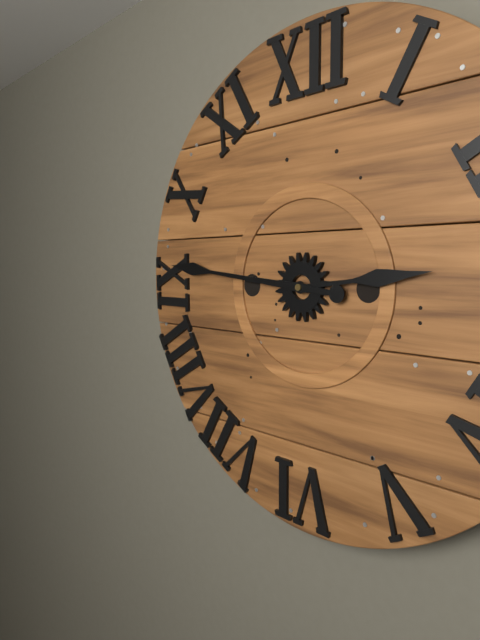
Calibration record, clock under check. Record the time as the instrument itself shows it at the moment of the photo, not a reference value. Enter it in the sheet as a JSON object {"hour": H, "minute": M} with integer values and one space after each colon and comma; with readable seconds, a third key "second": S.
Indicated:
{"hour": 2, "minute": 46}
